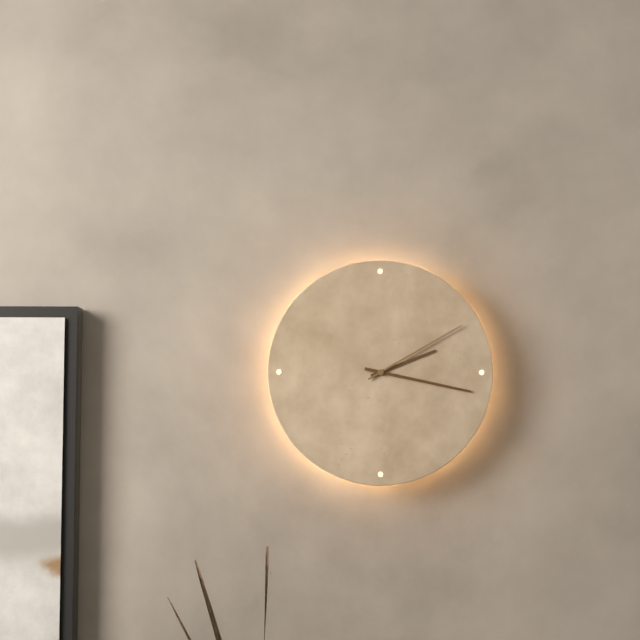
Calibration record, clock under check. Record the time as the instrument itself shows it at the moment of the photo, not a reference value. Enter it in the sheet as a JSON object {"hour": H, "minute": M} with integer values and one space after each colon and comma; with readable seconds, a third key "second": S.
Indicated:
{"hour": 2, "minute": 17, "second": 10}
